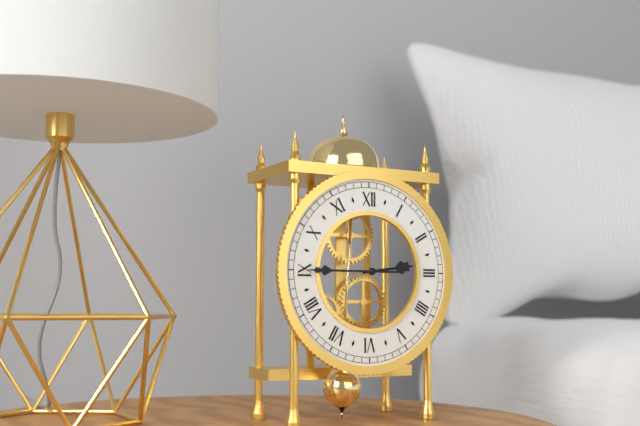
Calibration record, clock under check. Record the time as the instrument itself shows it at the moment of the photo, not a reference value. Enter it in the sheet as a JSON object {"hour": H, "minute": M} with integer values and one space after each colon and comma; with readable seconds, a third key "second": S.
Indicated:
{"hour": 2, "minute": 45}
